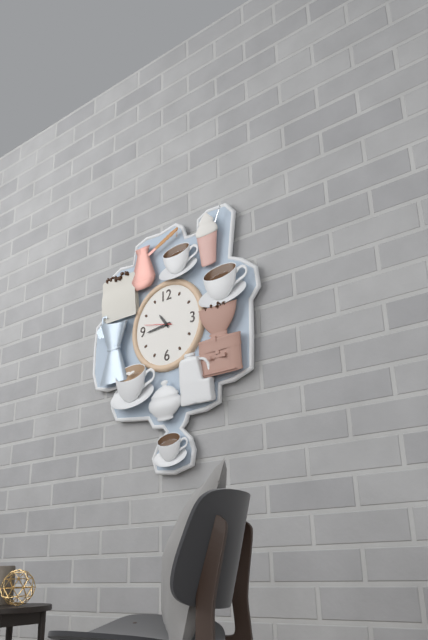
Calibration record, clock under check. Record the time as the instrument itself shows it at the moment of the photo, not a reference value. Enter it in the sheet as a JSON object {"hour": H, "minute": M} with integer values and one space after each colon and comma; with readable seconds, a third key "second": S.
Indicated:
{"hour": 10, "minute": 44}
